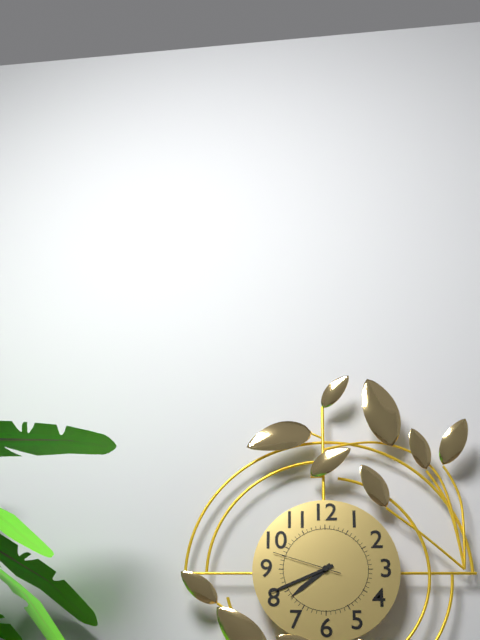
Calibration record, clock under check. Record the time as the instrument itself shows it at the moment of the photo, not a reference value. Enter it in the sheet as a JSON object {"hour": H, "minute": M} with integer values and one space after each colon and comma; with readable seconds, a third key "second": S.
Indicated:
{"hour": 7, "minute": 41, "second": 48}
